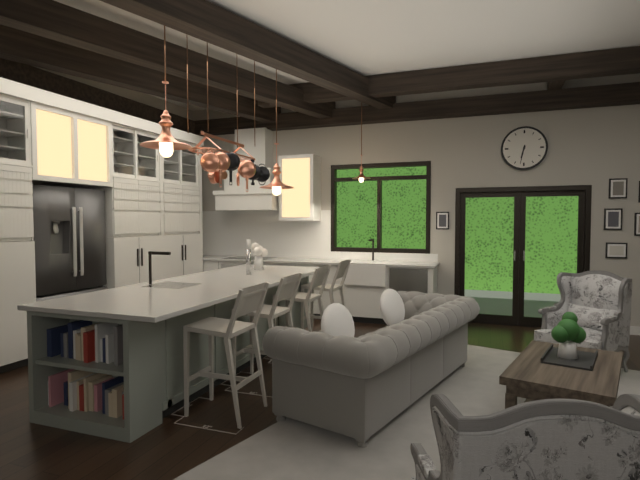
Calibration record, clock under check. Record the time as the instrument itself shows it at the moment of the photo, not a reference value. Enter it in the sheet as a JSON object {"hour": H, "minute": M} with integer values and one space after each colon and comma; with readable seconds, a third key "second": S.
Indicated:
{"hour": 6, "minute": 32}
